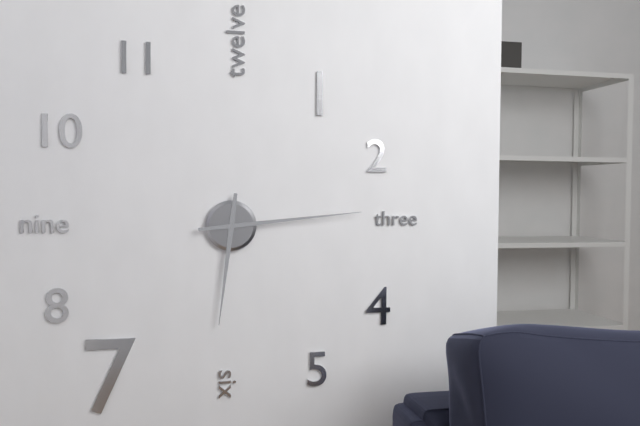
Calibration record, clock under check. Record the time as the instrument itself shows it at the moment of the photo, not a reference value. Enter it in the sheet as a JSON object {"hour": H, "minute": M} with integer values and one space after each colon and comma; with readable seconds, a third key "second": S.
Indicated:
{"hour": 6, "minute": 14}
